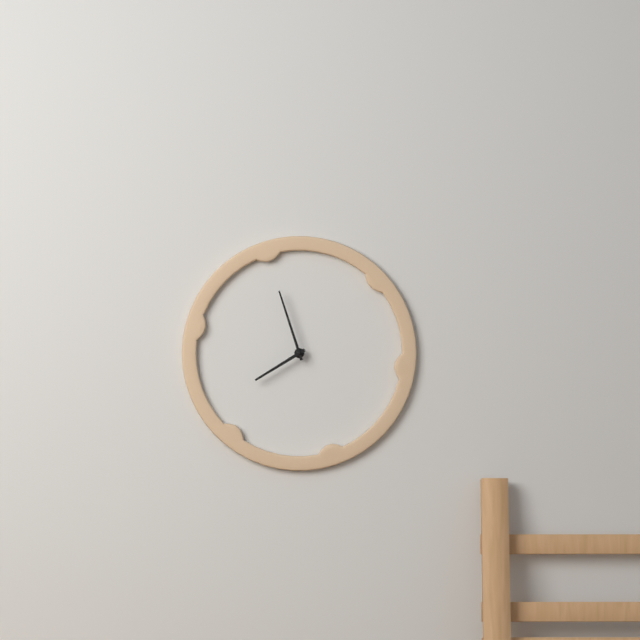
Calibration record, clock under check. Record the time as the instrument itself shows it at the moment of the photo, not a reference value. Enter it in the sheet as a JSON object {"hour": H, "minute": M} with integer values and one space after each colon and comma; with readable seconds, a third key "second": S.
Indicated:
{"hour": 7, "minute": 57}
